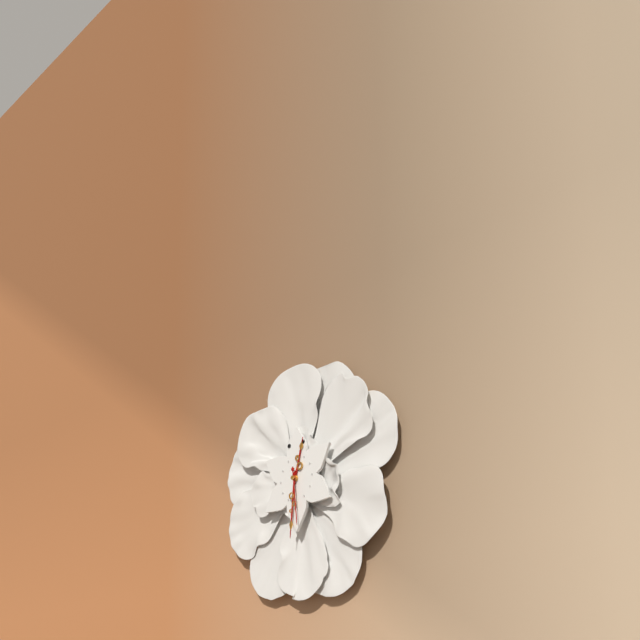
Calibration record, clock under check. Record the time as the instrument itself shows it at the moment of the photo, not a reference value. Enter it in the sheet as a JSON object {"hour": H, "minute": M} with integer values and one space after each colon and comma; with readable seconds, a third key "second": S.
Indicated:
{"hour": 12, "minute": 31, "second": 29}
